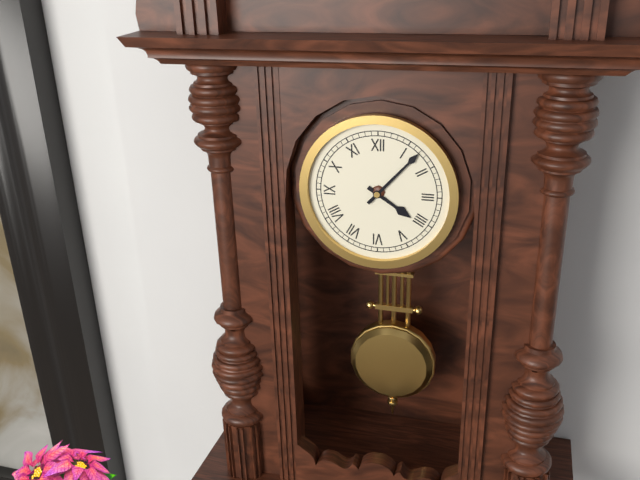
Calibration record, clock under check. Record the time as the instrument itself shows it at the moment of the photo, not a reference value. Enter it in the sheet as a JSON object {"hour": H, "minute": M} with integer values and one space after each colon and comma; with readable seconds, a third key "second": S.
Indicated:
{"hour": 4, "minute": 7}
